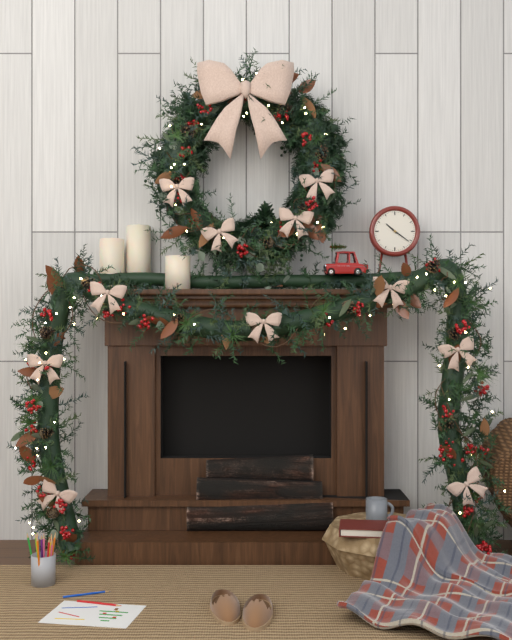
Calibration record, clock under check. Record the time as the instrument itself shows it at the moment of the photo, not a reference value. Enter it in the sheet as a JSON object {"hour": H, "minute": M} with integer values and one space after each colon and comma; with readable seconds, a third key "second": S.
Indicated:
{"hour": 10, "minute": 21}
